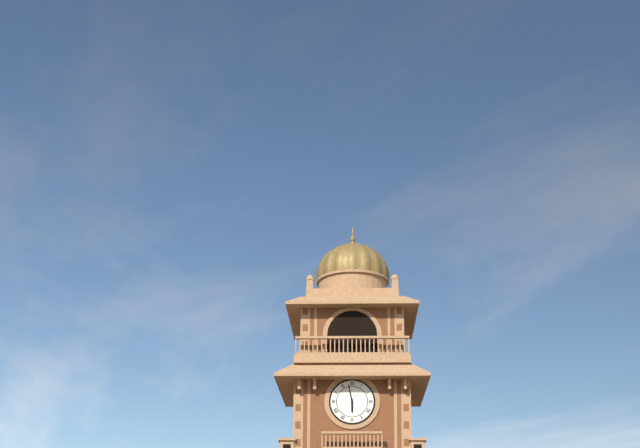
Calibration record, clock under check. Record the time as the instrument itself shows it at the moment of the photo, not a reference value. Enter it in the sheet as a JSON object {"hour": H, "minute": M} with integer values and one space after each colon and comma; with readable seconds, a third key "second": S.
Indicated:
{"hour": 5, "minute": 58}
